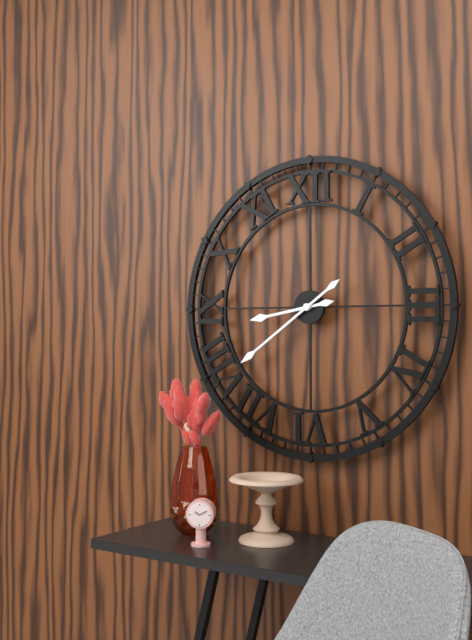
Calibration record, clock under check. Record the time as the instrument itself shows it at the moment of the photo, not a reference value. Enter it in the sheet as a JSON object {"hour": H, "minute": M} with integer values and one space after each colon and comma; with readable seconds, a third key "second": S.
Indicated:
{"hour": 8, "minute": 39}
